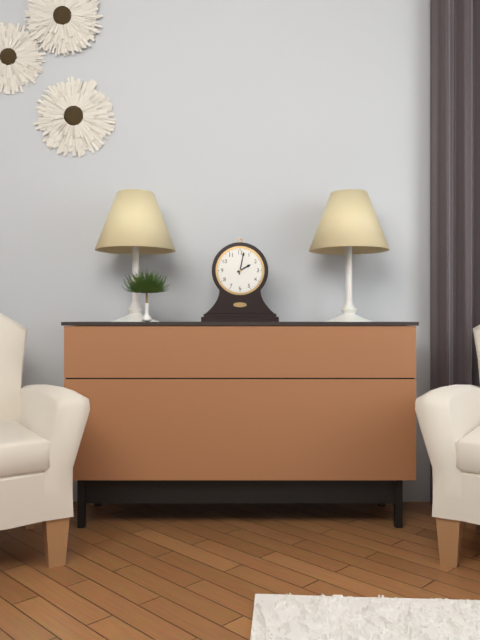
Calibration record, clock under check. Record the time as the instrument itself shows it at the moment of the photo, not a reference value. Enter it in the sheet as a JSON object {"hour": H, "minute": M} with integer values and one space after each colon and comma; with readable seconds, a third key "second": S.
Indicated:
{"hour": 2, "minute": 2}
